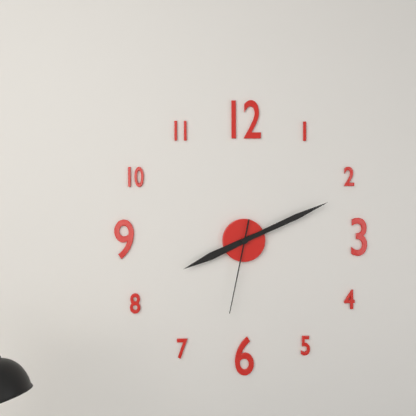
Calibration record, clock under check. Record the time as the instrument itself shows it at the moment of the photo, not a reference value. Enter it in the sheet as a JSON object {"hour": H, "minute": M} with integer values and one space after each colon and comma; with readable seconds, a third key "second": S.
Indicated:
{"hour": 8, "minute": 11, "second": 32}
